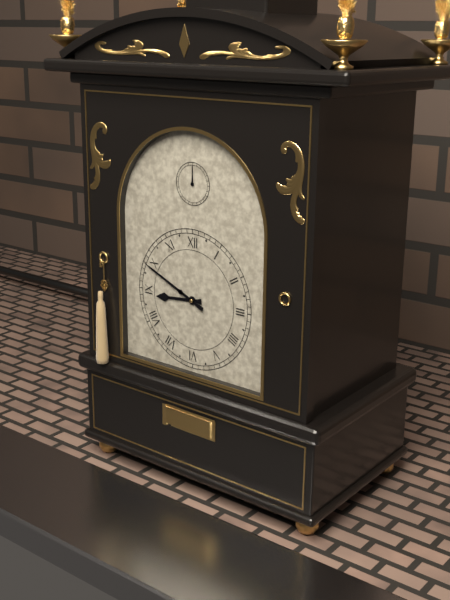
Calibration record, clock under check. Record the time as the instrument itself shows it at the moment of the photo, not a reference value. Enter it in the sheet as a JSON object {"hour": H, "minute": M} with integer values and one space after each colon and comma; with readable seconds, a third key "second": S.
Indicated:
{"hour": 8, "minute": 49}
